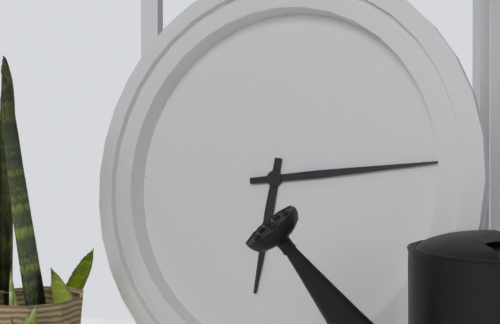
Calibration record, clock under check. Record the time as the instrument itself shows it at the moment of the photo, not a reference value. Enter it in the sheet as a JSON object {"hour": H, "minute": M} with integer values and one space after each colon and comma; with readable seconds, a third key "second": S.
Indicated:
{"hour": 6, "minute": 14}
